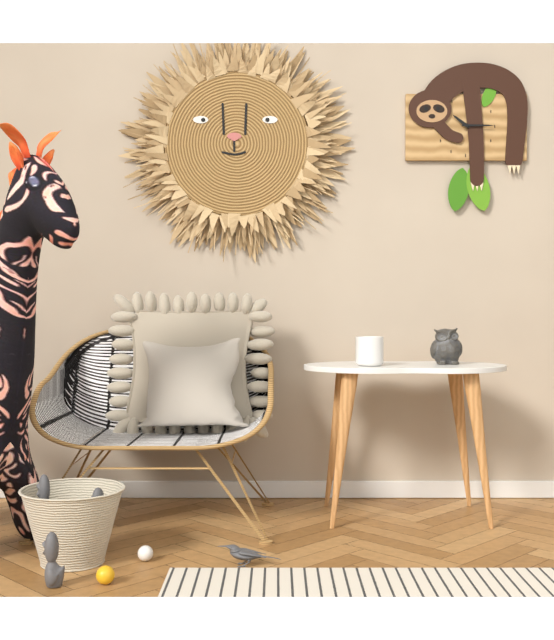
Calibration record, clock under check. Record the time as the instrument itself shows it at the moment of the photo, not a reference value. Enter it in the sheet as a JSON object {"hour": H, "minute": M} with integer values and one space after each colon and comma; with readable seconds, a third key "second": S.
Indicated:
{"hour": 10, "minute": 15}
